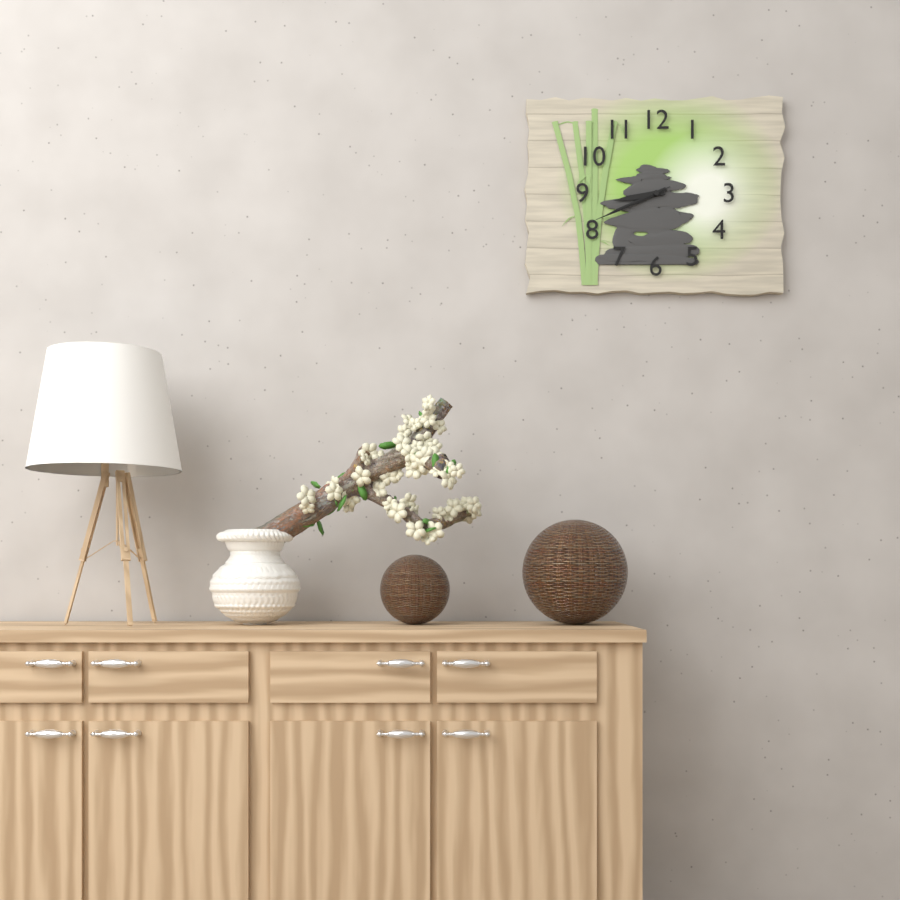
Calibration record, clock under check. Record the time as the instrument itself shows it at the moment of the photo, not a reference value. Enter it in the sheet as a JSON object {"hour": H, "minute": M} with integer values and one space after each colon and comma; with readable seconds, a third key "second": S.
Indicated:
{"hour": 8, "minute": 41, "second": 41}
